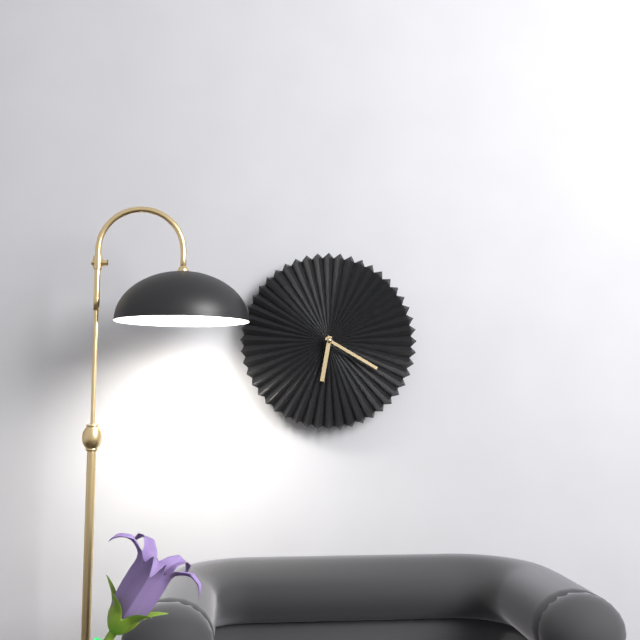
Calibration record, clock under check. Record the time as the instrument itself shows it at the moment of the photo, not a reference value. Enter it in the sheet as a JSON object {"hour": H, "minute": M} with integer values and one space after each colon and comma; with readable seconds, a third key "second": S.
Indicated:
{"hour": 6, "minute": 20}
